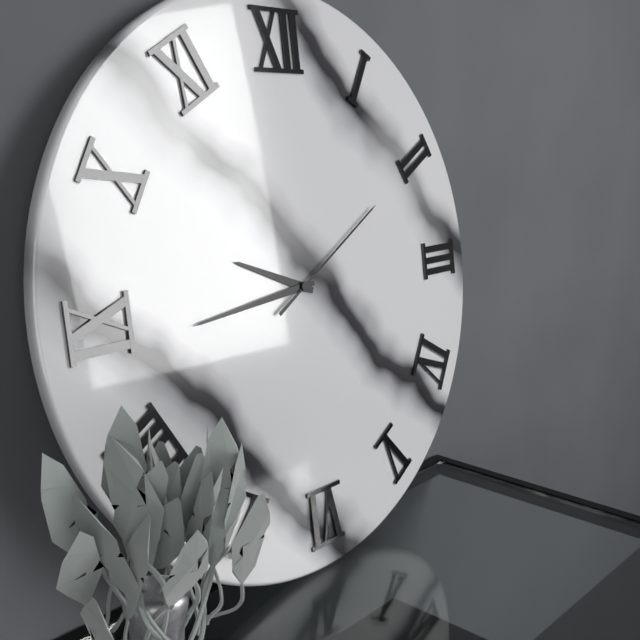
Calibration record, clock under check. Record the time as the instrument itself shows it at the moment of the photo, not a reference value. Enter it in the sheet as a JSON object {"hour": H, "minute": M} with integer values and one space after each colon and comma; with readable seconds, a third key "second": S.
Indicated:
{"hour": 9, "minute": 44, "second": 10}
